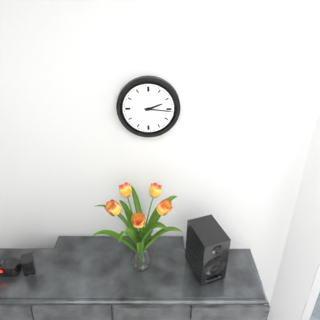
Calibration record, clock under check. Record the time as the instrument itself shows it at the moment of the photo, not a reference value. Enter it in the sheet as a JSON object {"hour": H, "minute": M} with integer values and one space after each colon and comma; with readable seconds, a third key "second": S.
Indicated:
{"hour": 2, "minute": 16}
